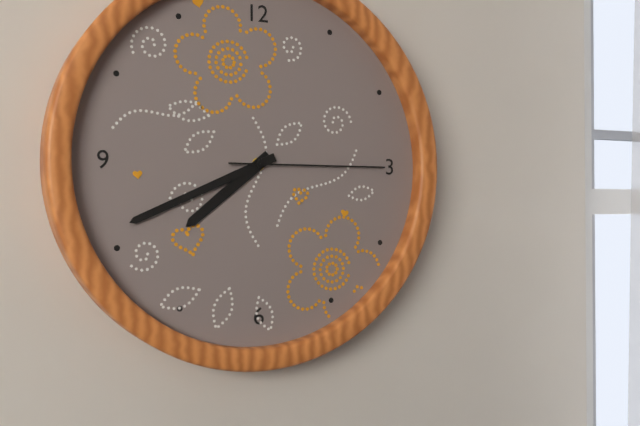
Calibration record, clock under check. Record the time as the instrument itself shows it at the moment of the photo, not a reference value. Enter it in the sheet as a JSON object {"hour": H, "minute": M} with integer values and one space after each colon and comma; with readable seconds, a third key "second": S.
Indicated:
{"hour": 7, "minute": 41, "second": 15}
